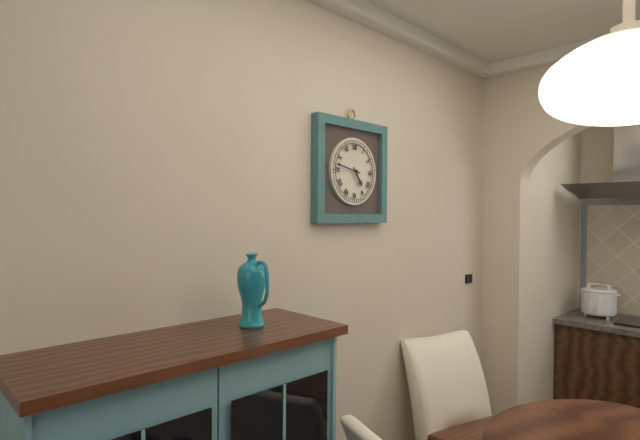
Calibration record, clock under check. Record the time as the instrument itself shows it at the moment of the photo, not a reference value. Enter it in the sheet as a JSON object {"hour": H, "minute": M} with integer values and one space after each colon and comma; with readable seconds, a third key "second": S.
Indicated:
{"hour": 4, "minute": 47}
